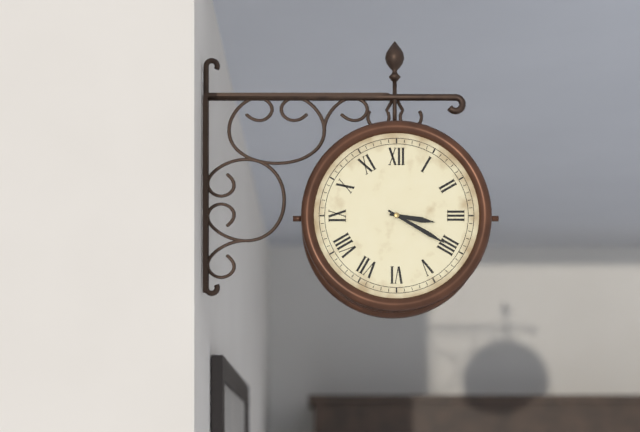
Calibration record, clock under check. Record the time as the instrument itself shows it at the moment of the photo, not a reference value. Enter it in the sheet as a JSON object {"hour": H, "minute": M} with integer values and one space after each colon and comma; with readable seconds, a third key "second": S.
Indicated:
{"hour": 3, "minute": 20}
